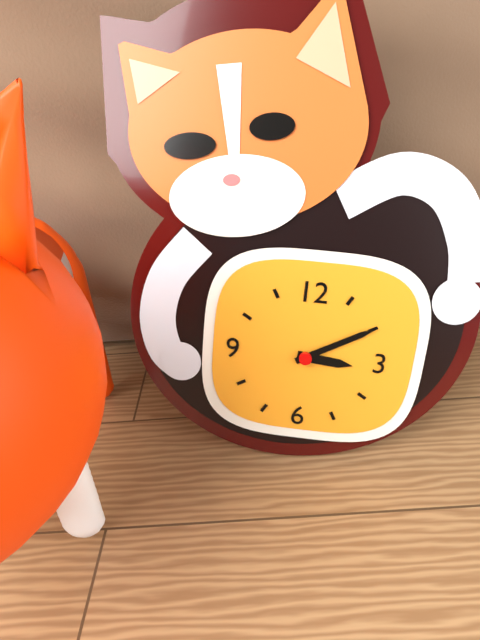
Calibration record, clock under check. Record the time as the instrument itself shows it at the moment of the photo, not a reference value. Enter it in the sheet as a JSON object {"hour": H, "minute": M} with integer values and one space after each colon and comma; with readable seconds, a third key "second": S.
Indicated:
{"hour": 3, "minute": 10}
